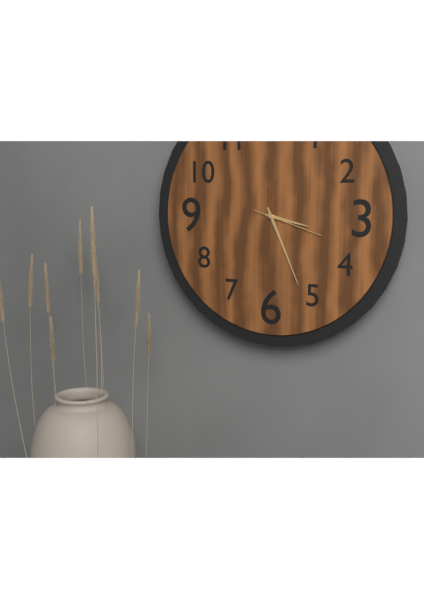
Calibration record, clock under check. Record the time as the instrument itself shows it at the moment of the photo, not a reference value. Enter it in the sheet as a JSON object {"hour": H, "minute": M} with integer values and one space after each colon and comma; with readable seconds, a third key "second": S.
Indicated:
{"hour": 3, "minute": 26, "second": 18}
